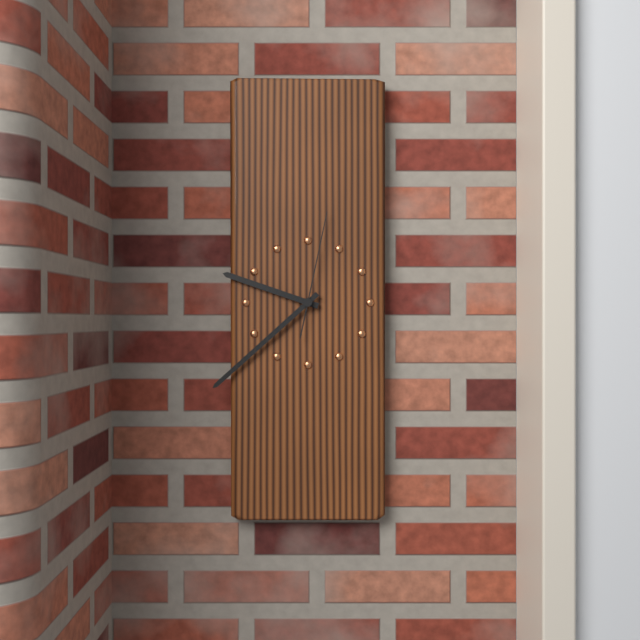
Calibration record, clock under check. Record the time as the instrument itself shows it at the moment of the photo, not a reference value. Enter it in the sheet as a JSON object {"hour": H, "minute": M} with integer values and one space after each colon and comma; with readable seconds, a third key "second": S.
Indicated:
{"hour": 9, "minute": 38, "second": 2}
